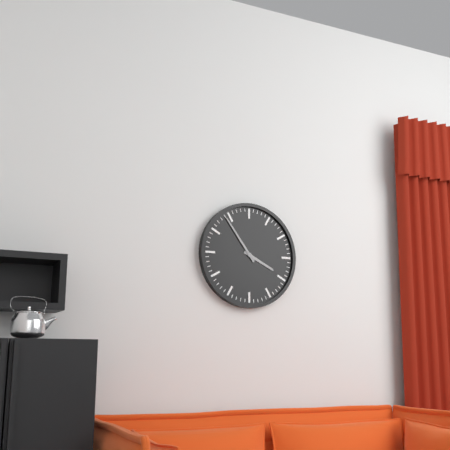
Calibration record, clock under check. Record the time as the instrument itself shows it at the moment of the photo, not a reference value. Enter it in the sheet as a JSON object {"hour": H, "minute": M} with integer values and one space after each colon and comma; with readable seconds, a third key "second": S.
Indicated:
{"hour": 3, "minute": 54}
